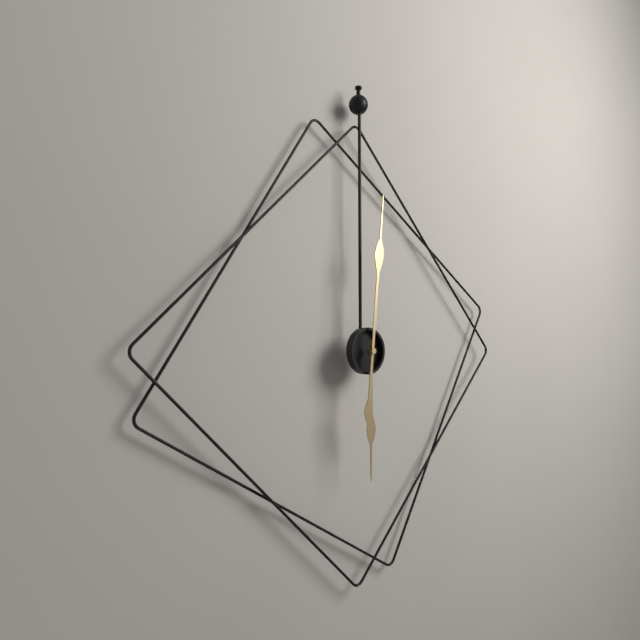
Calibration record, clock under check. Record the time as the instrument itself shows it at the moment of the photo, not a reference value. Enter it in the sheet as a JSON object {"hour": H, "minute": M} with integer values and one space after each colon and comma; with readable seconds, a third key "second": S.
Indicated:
{"hour": 6, "minute": 1}
